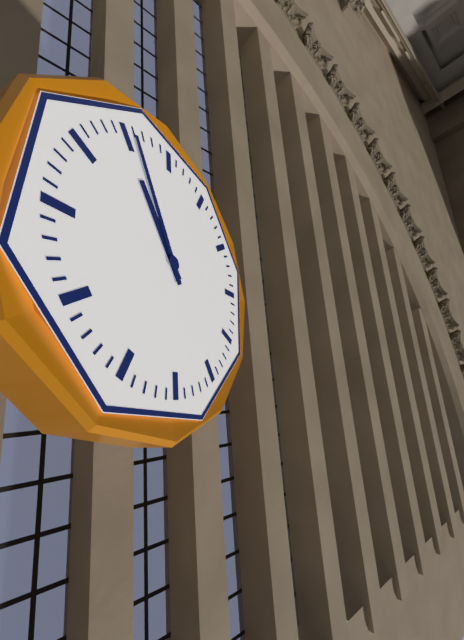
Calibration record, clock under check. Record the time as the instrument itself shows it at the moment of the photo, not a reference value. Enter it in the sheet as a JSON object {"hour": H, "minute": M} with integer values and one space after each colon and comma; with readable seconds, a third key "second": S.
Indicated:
{"hour": 10, "minute": 56}
